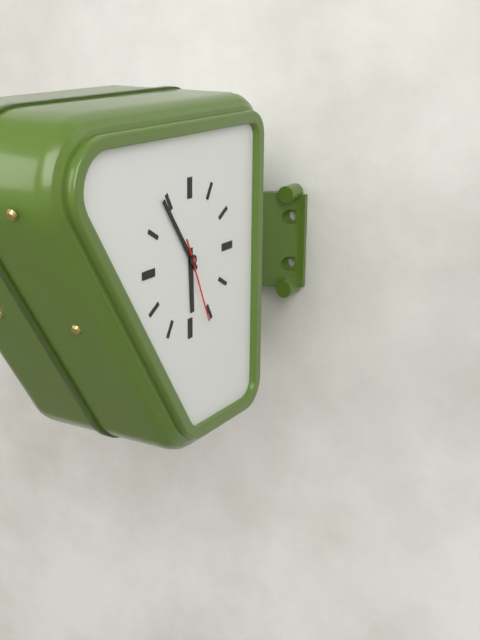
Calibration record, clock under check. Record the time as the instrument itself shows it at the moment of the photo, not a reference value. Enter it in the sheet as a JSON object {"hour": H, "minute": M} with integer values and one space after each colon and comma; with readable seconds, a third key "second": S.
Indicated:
{"hour": 5, "minute": 54, "second": 26}
